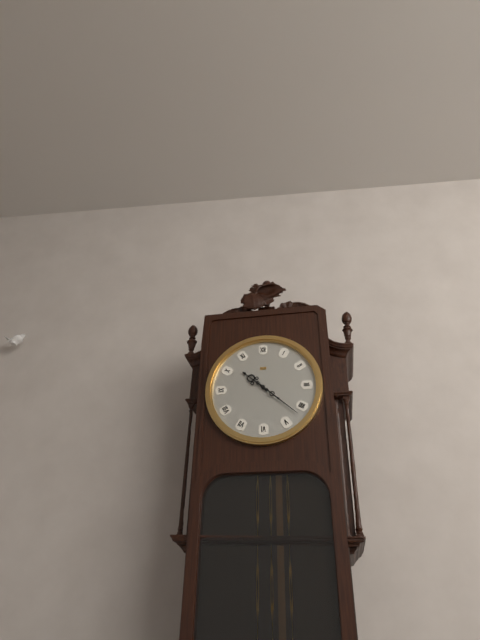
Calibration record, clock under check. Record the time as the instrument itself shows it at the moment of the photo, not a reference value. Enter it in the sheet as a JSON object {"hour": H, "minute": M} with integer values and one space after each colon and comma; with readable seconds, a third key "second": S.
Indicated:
{"hour": 10, "minute": 22}
